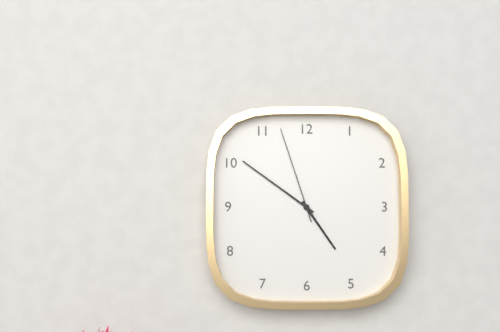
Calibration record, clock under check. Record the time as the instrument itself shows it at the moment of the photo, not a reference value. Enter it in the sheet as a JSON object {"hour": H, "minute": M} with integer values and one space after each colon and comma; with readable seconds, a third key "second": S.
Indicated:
{"hour": 4, "minute": 51, "second": 57}
